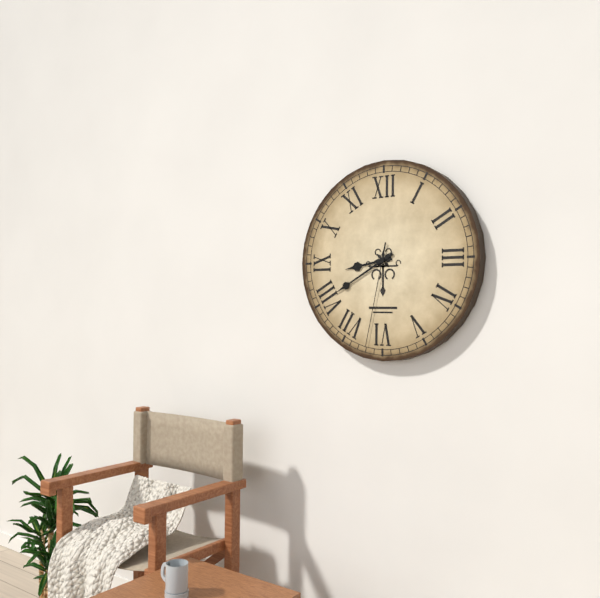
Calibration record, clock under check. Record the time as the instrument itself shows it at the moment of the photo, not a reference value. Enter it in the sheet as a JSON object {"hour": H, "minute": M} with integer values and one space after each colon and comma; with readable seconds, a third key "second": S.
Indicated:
{"hour": 8, "minute": 40, "second": 32}
